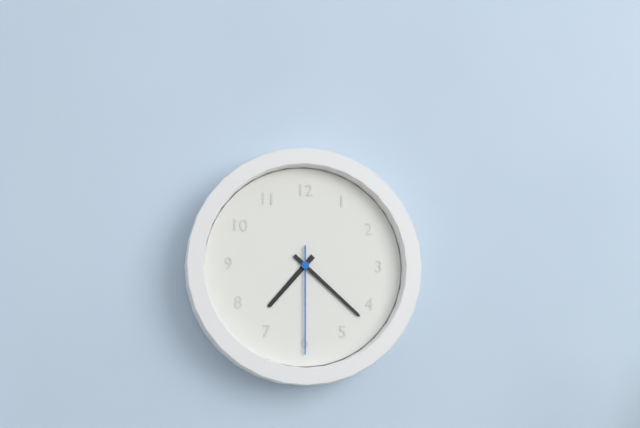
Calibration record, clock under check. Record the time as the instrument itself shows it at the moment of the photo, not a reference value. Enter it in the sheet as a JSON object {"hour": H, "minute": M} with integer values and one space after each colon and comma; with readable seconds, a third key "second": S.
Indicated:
{"hour": 7, "minute": 22, "second": 30}
